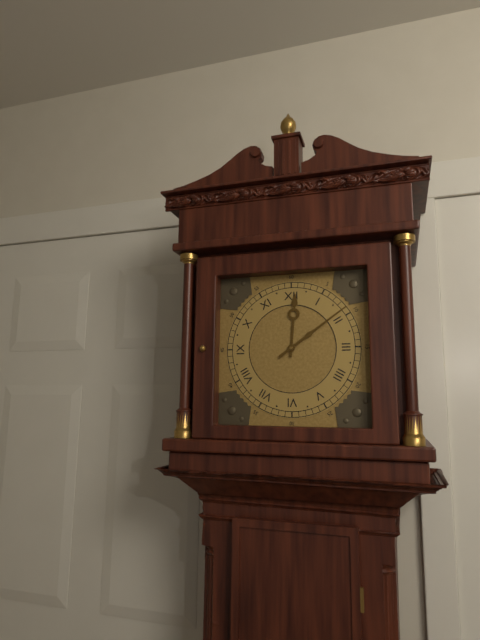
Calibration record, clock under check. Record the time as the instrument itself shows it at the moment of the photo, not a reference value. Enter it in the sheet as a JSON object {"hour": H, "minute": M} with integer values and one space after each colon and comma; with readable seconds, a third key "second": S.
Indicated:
{"hour": 12, "minute": 9}
